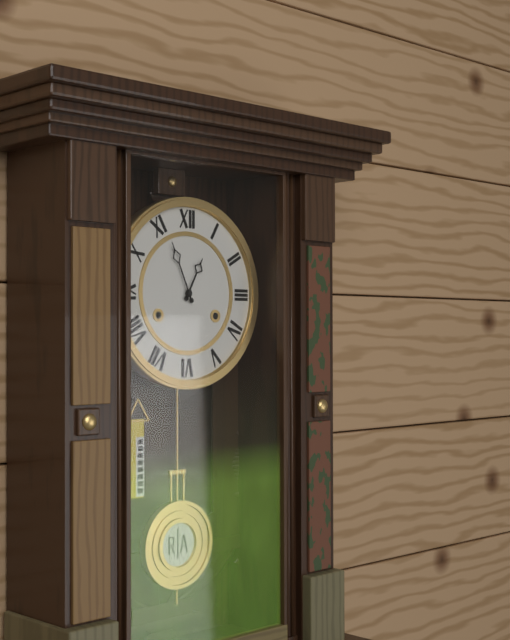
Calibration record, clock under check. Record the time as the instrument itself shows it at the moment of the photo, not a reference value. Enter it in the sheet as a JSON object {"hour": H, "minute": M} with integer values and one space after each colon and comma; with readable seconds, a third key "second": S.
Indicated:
{"hour": 12, "minute": 56}
